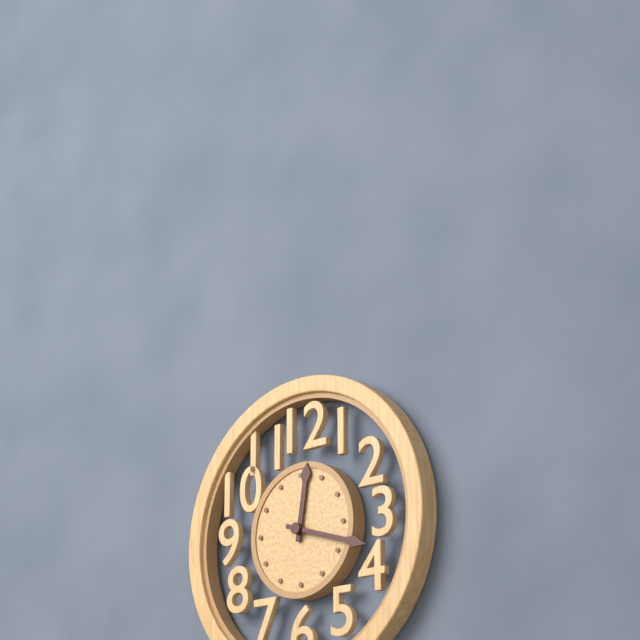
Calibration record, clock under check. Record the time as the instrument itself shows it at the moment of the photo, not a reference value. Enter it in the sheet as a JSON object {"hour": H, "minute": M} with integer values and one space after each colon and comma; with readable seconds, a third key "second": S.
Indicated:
{"hour": 12, "minute": 18}
